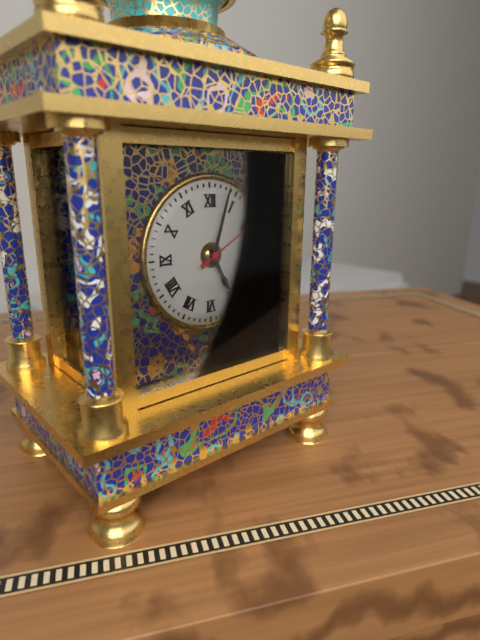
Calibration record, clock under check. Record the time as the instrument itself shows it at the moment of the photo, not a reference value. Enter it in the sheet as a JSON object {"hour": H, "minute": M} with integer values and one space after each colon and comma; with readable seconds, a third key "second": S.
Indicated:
{"hour": 5, "minute": 3, "second": 10}
